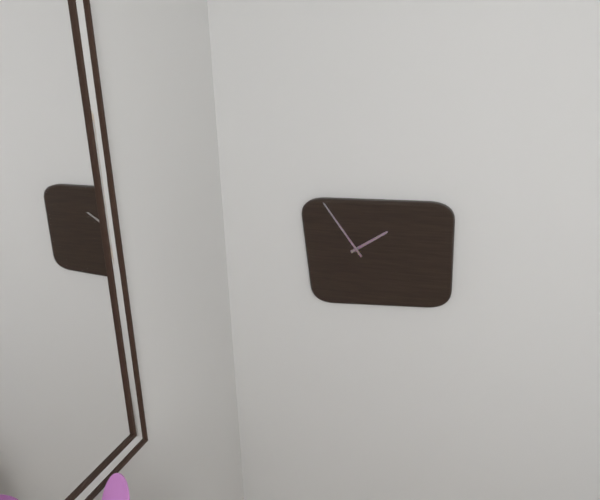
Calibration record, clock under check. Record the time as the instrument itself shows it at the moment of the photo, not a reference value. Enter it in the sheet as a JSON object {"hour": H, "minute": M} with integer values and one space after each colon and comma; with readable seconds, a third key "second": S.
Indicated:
{"hour": 1, "minute": 54}
